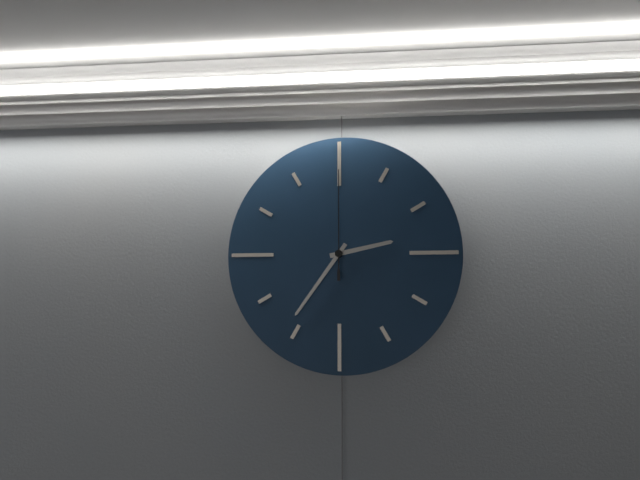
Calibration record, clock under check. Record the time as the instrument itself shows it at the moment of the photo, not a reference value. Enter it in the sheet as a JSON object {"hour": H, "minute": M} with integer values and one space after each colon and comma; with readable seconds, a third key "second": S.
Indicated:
{"hour": 2, "minute": 36, "second": 0}
